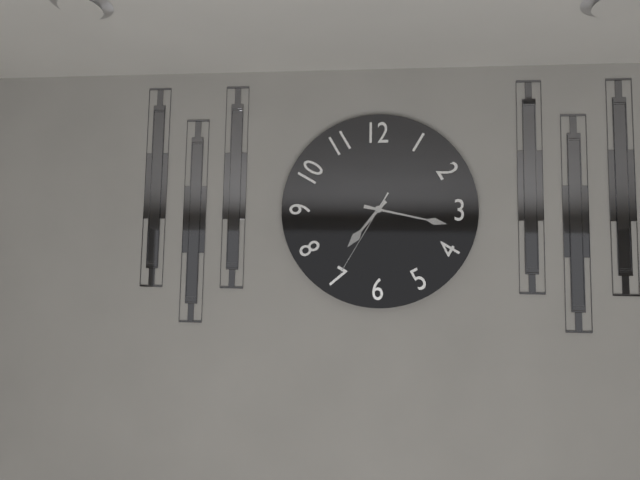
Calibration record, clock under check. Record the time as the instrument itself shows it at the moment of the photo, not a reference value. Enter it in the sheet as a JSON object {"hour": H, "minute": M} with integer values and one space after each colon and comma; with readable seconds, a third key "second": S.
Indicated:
{"hour": 7, "minute": 17, "second": 35}
